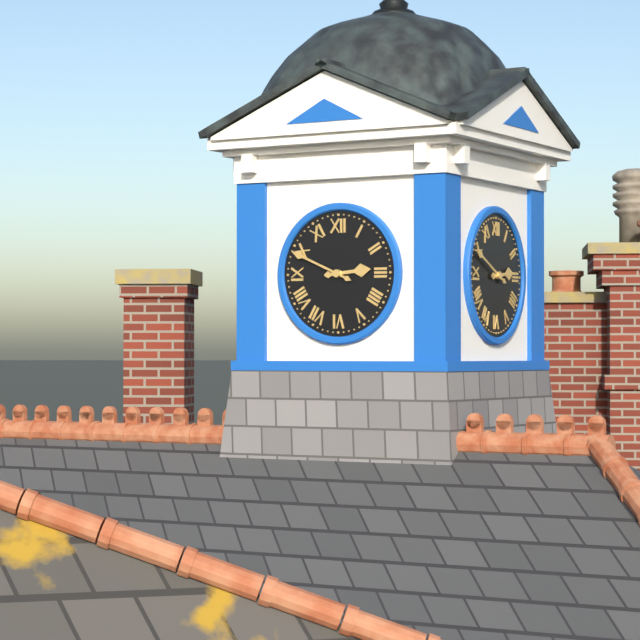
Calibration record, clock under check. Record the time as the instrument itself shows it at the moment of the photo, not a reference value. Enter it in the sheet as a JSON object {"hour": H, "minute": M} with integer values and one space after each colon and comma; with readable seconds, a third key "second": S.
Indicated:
{"hour": 2, "minute": 49}
